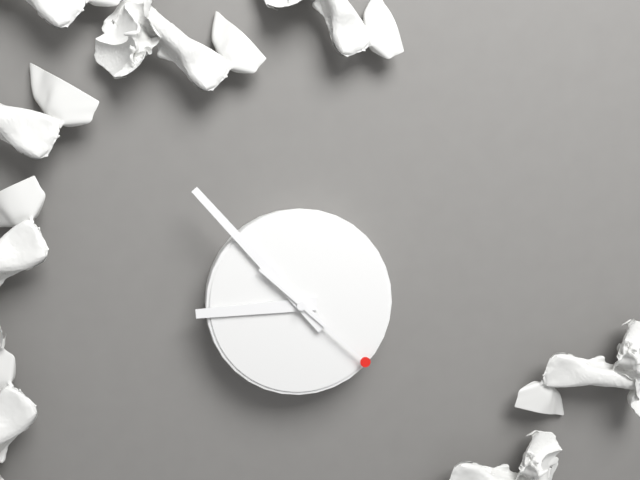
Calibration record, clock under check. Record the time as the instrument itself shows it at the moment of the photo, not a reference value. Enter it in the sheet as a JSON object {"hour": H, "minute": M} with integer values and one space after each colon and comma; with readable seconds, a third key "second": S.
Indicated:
{"hour": 8, "minute": 53, "second": 22}
